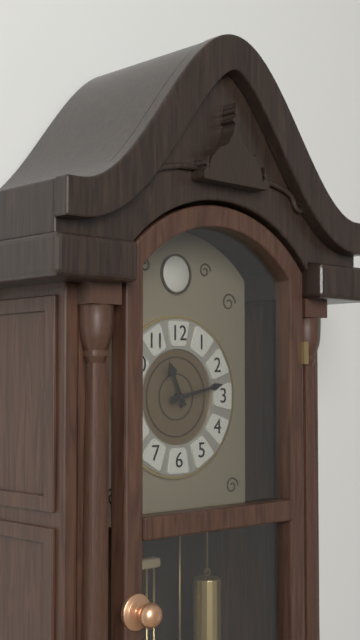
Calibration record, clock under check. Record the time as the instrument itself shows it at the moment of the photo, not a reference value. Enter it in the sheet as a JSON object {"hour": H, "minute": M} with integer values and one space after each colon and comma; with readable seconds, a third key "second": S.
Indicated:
{"hour": 11, "minute": 13}
